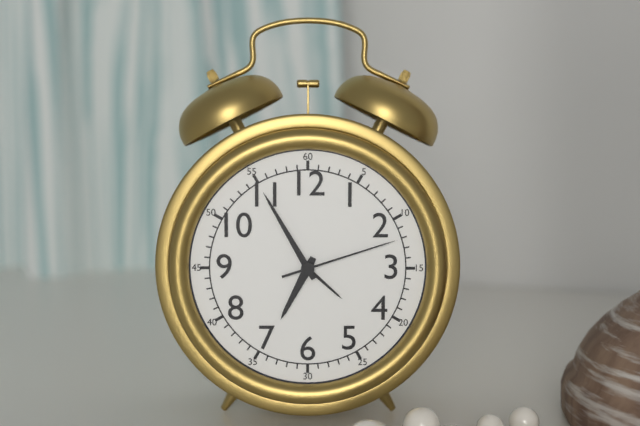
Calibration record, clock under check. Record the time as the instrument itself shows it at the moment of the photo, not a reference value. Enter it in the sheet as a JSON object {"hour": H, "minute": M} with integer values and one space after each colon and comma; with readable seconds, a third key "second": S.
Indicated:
{"hour": 6, "minute": 55, "second": 12}
